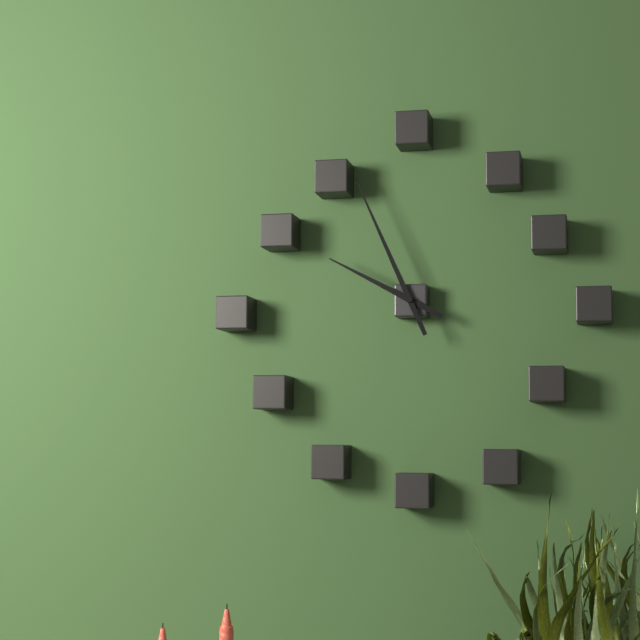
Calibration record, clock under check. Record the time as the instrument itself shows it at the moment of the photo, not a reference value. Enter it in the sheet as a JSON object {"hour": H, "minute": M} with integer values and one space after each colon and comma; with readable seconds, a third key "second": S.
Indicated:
{"hour": 9, "minute": 56}
